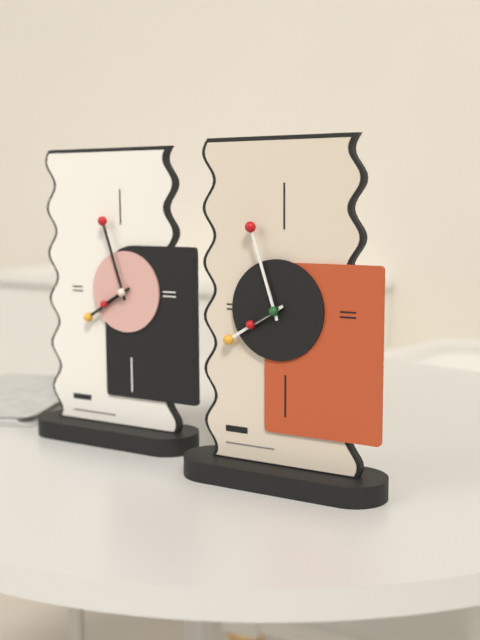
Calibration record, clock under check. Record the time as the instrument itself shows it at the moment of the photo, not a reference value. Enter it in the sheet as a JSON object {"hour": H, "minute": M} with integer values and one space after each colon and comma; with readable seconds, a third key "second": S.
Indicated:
{"hour": 7, "minute": 57}
